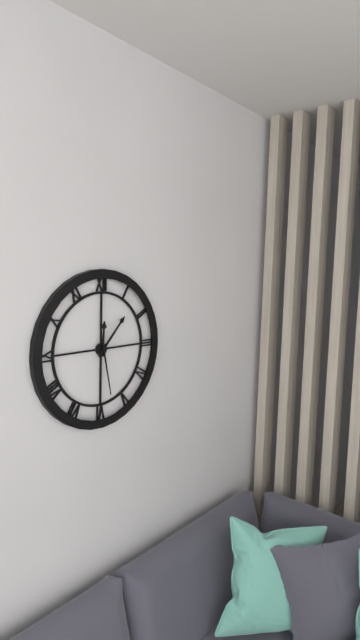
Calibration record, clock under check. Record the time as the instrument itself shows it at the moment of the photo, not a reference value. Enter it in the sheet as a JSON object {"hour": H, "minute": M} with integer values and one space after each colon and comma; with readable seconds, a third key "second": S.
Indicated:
{"hour": 12, "minute": 7, "second": 28}
